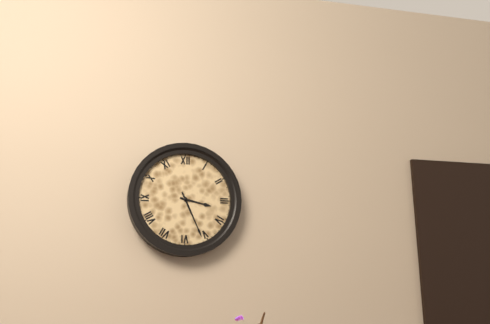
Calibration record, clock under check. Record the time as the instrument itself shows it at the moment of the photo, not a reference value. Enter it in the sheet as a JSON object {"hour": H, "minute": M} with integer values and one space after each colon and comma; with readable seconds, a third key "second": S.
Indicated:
{"hour": 3, "minute": 26}
